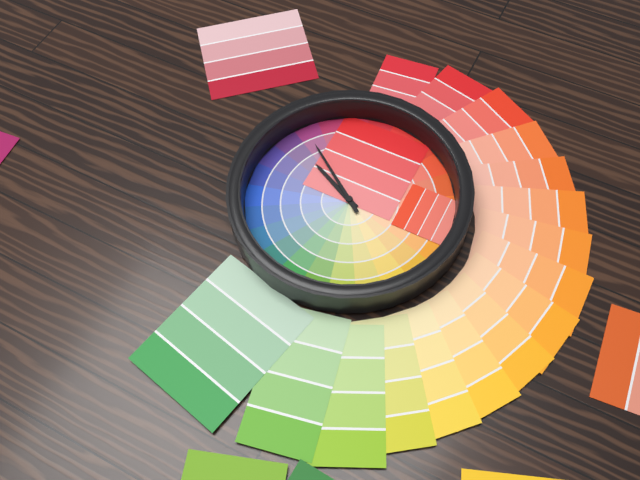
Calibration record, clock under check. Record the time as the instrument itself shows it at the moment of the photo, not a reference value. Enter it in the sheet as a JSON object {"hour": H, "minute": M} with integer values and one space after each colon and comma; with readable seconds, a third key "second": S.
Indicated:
{"hour": 9, "minute": 51}
